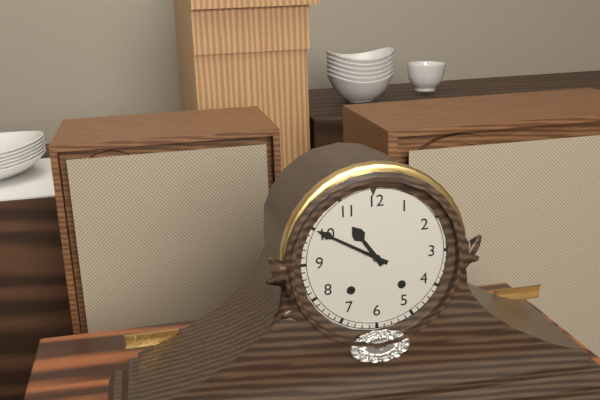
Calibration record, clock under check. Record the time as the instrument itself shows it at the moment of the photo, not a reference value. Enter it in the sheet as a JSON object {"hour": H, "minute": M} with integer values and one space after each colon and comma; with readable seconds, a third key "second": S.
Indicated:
{"hour": 10, "minute": 50}
